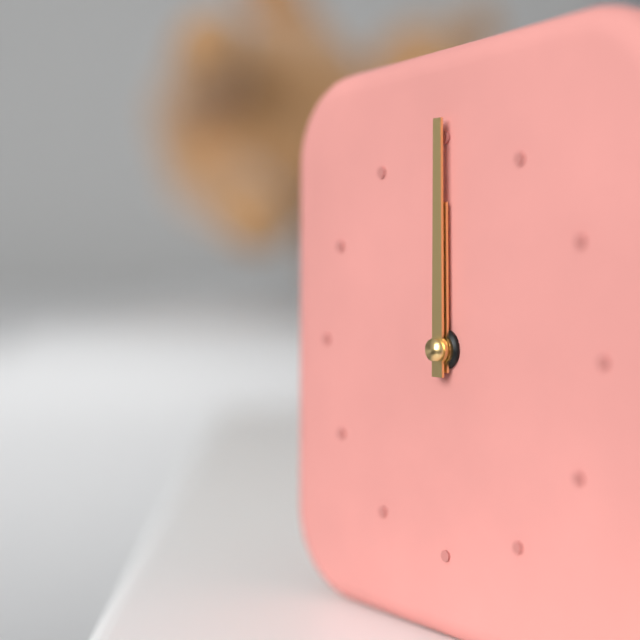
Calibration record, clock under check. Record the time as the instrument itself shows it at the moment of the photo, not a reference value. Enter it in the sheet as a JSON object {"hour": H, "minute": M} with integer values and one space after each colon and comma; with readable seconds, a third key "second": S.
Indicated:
{"hour": 12, "minute": 0}
